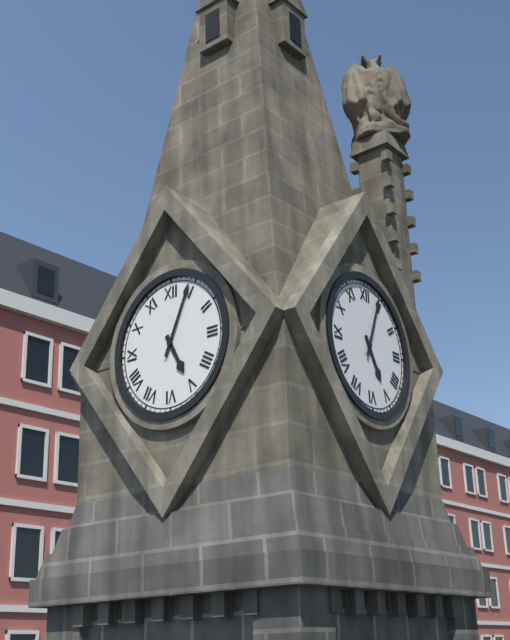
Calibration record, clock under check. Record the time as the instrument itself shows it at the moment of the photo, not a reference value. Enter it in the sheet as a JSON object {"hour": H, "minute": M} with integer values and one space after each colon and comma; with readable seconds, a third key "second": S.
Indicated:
{"hour": 5, "minute": 4}
